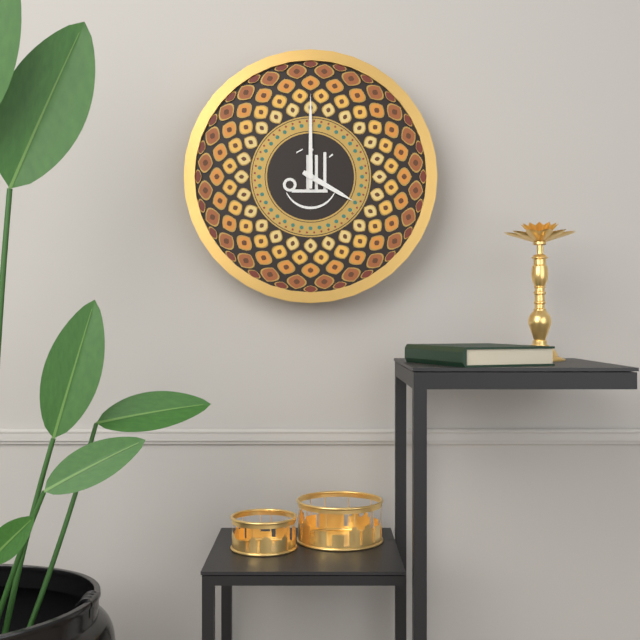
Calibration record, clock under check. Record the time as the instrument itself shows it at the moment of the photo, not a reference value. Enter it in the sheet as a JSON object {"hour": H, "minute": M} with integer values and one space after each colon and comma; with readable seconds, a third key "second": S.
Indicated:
{"hour": 4, "minute": 0}
